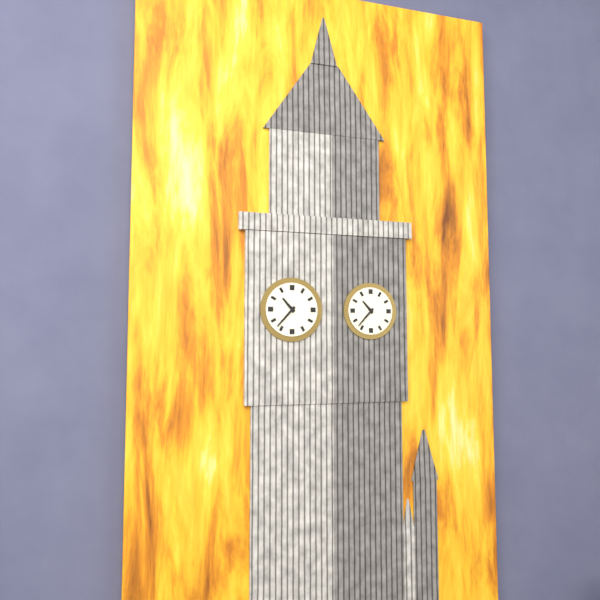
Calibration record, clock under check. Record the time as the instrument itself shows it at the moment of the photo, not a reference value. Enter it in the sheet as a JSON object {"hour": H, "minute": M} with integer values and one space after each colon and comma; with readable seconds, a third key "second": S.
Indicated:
{"hour": 10, "minute": 37}
